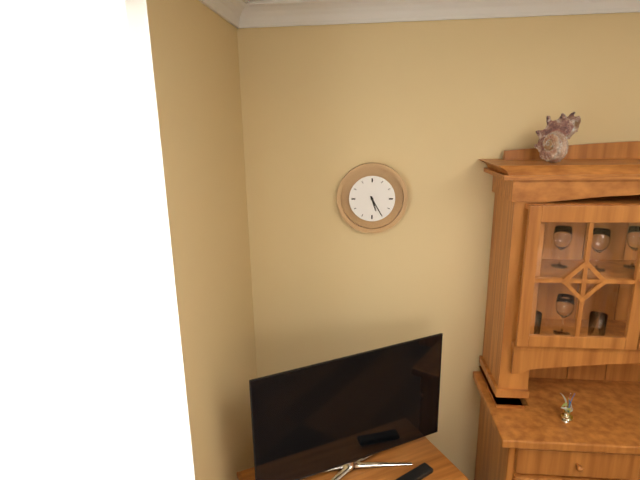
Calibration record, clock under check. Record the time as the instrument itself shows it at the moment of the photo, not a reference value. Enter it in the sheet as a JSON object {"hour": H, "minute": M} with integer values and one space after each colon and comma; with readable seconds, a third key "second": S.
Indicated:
{"hour": 5, "minute": 25}
